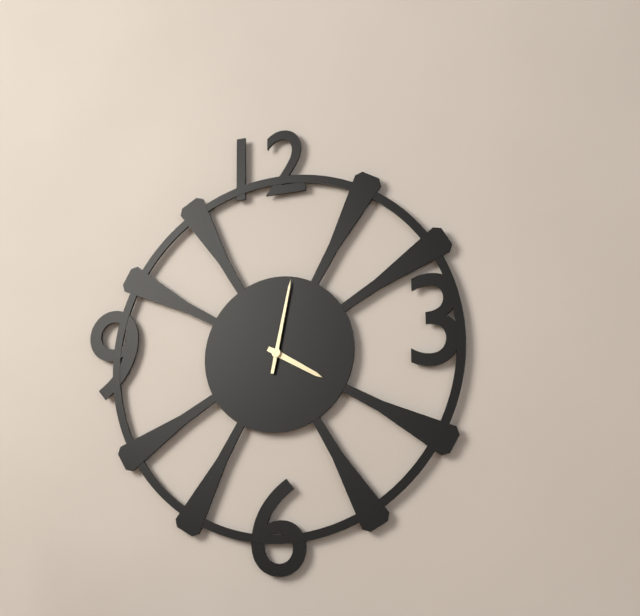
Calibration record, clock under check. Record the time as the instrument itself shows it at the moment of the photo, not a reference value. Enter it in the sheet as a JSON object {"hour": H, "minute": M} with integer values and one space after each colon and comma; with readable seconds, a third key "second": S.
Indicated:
{"hour": 4, "minute": 2}
